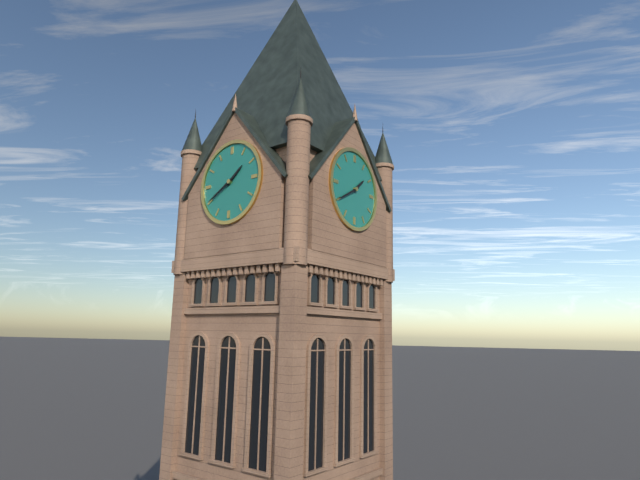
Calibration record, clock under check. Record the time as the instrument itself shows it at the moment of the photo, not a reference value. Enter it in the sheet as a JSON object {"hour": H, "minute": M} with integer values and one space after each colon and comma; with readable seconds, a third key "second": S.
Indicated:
{"hour": 1, "minute": 40}
